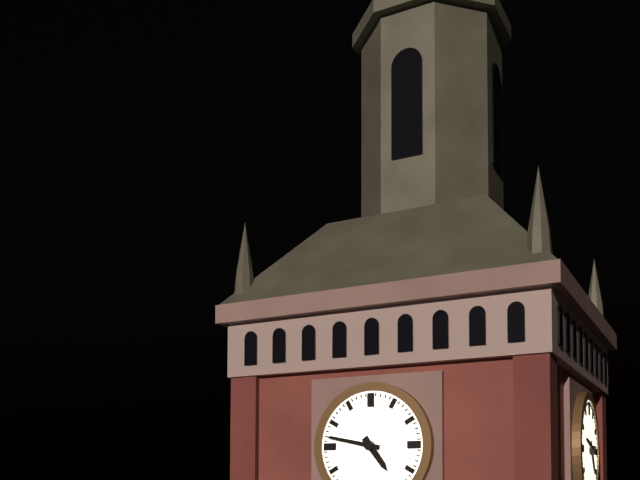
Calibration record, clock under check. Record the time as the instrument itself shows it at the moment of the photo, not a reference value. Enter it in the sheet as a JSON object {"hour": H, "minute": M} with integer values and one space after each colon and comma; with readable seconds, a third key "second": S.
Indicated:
{"hour": 4, "minute": 47}
